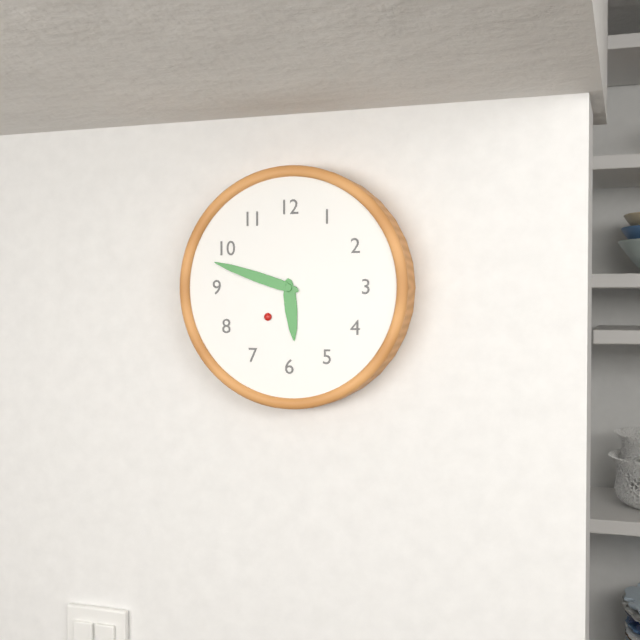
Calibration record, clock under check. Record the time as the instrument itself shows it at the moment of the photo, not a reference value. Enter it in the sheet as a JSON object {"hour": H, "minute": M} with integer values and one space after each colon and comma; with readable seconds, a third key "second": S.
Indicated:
{"hour": 5, "minute": 48}
